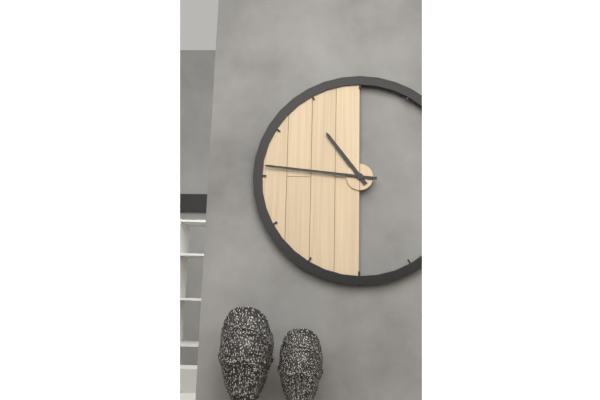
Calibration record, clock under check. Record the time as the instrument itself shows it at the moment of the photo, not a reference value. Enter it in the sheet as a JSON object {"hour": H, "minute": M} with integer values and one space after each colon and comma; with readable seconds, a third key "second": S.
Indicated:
{"hour": 10, "minute": 46}
